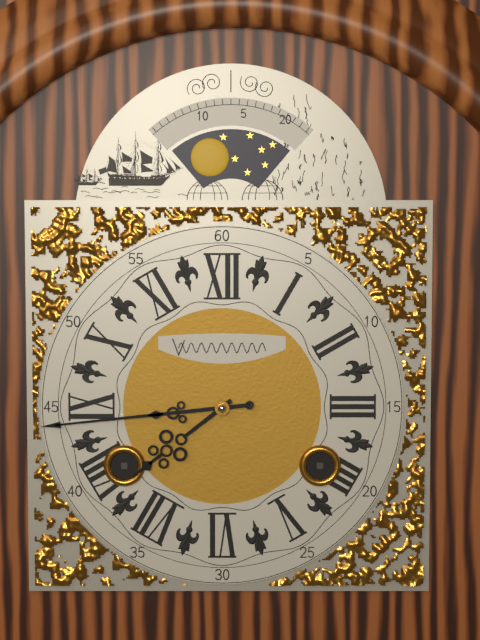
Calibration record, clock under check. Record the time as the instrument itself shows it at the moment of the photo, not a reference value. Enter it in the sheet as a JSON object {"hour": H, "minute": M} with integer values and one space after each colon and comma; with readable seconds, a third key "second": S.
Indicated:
{"hour": 7, "minute": 44}
